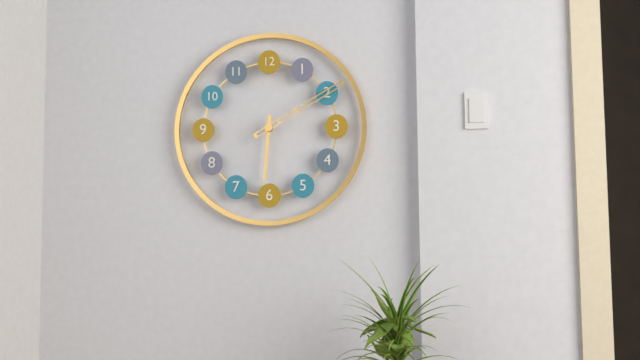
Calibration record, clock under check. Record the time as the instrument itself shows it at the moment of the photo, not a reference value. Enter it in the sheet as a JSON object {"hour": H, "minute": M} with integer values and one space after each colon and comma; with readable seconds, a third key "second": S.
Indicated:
{"hour": 6, "minute": 10}
